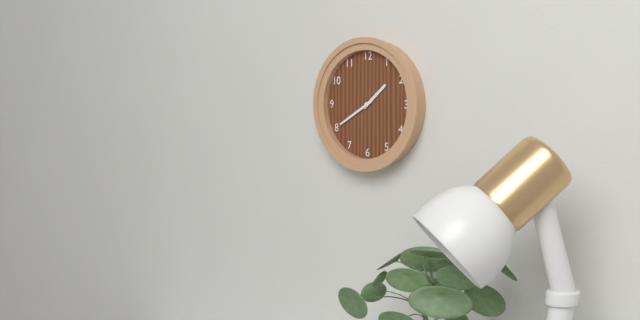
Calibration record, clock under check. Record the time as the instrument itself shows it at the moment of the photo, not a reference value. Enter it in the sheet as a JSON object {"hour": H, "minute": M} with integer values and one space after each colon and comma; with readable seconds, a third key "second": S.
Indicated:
{"hour": 1, "minute": 40}
